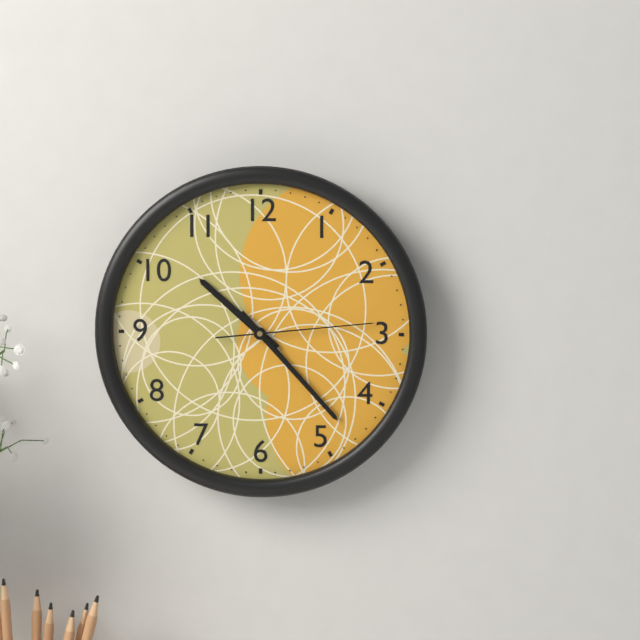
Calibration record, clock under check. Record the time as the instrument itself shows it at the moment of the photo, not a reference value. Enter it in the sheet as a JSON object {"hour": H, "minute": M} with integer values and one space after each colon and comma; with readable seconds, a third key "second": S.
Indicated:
{"hour": 10, "minute": 23, "second": 14}
